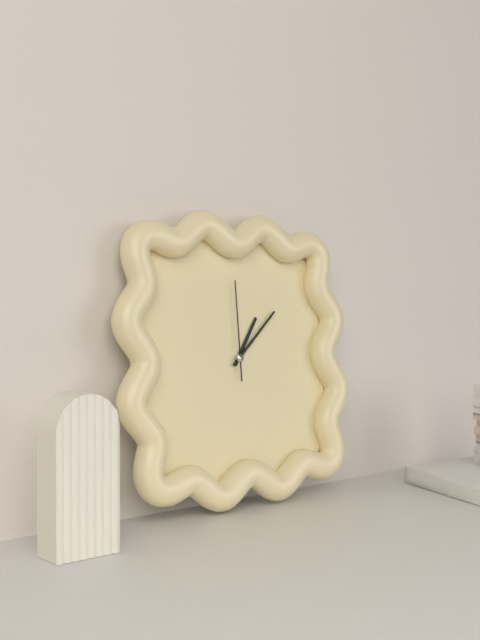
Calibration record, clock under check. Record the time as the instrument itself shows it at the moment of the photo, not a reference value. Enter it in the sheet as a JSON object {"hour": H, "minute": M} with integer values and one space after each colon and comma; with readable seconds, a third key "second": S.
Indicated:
{"hour": 1, "minute": 8, "second": 0}
